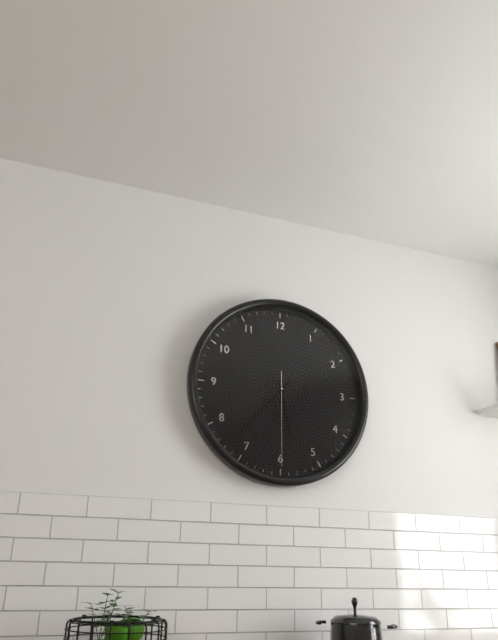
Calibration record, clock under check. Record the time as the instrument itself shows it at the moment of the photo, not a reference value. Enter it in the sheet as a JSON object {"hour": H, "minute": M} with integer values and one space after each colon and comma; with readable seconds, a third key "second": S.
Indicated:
{"hour": 5, "minute": 37, "second": 30}
